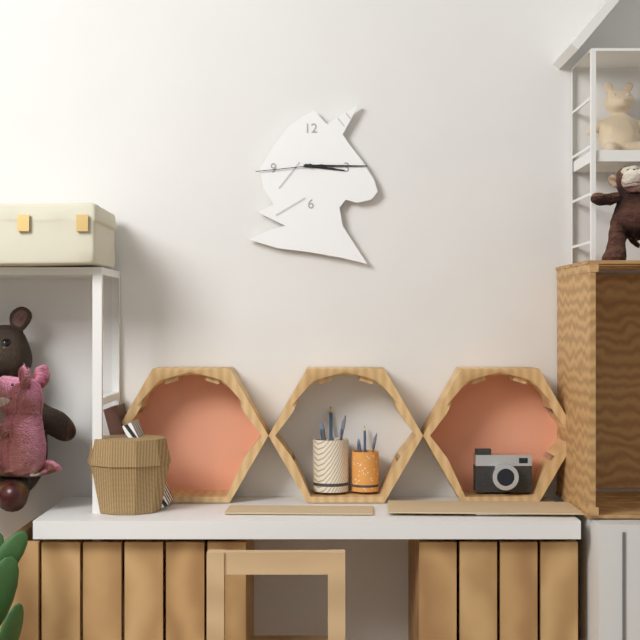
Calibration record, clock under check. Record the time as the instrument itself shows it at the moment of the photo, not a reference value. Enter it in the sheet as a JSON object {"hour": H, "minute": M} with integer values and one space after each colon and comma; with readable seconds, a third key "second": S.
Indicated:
{"hour": 3, "minute": 15, "second": 44}
